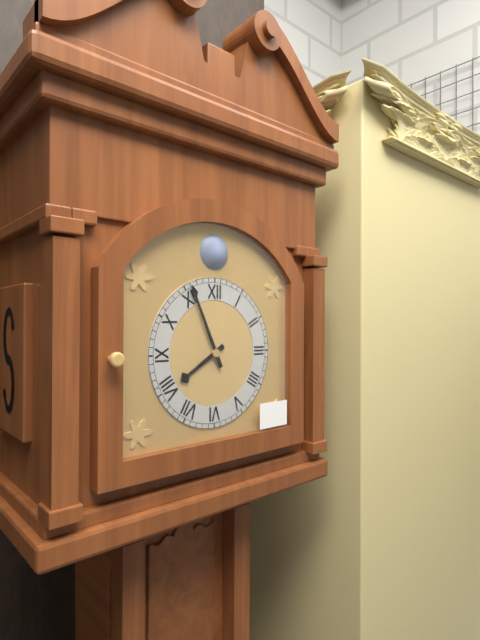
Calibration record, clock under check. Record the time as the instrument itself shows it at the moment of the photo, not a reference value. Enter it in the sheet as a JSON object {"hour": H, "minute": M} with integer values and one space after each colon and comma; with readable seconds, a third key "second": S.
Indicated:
{"hour": 7, "minute": 56}
